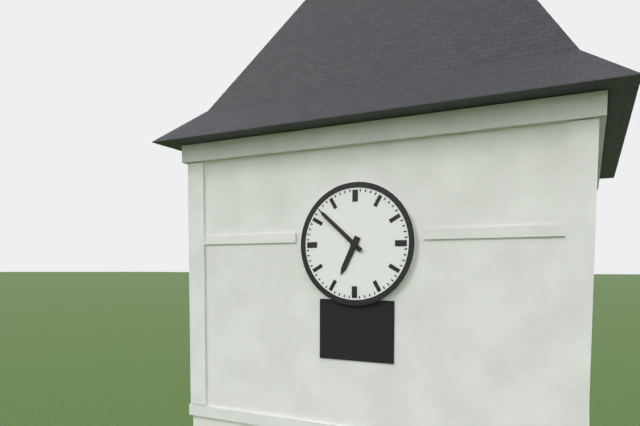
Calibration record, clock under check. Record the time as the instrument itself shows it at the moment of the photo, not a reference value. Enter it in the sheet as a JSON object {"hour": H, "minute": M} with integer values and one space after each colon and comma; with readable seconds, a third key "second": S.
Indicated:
{"hour": 6, "minute": 52}
